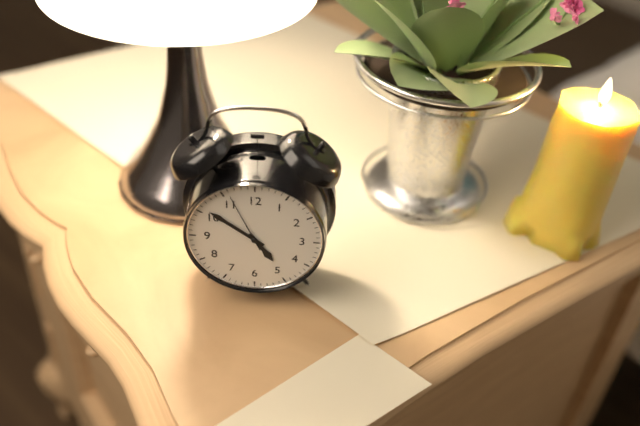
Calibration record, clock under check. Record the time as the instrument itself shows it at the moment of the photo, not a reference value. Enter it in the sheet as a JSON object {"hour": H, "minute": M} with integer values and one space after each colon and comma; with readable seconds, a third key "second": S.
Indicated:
{"hour": 4, "minute": 51, "second": 56}
